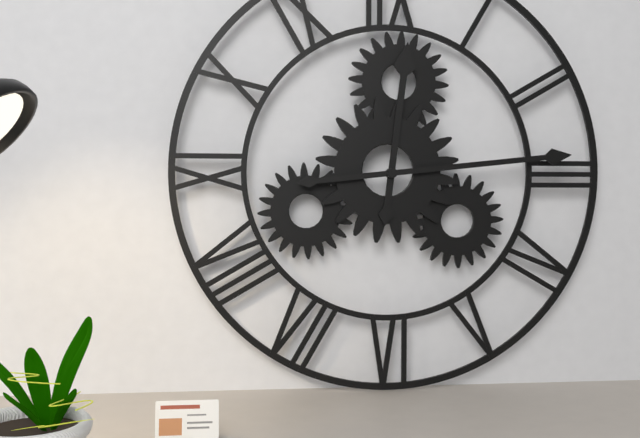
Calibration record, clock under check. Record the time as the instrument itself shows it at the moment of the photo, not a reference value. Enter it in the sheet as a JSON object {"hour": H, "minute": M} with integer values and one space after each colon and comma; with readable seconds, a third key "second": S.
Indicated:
{"hour": 12, "minute": 14}
